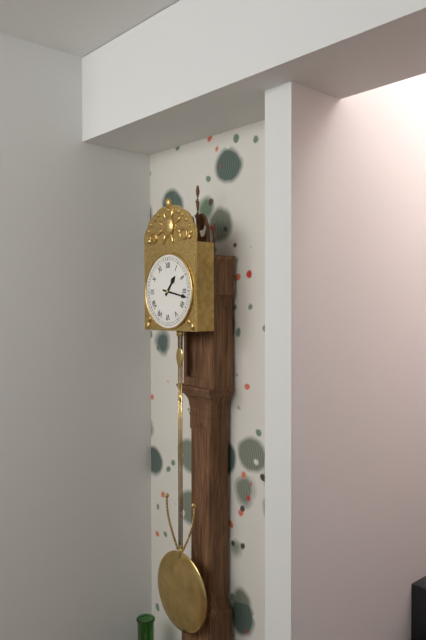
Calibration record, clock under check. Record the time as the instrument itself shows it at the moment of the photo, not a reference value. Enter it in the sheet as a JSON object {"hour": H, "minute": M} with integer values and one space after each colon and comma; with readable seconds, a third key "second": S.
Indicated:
{"hour": 1, "minute": 17}
